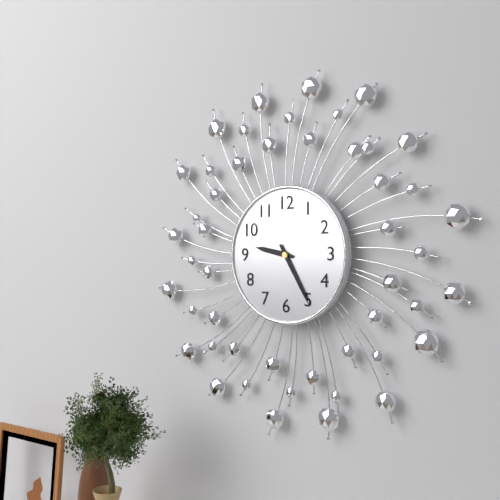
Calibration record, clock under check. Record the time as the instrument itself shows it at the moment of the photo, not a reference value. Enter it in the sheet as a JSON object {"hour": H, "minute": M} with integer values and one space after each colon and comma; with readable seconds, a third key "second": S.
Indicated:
{"hour": 9, "minute": 25}
